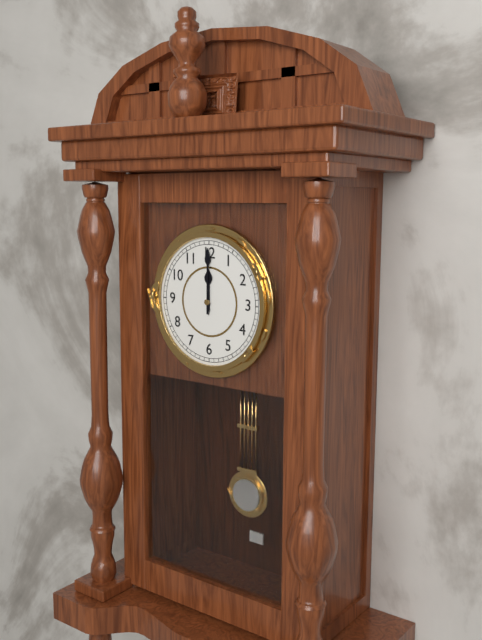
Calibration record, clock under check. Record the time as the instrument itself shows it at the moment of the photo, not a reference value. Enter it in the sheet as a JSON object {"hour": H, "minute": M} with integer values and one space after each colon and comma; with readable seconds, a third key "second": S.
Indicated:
{"hour": 12, "minute": 0}
